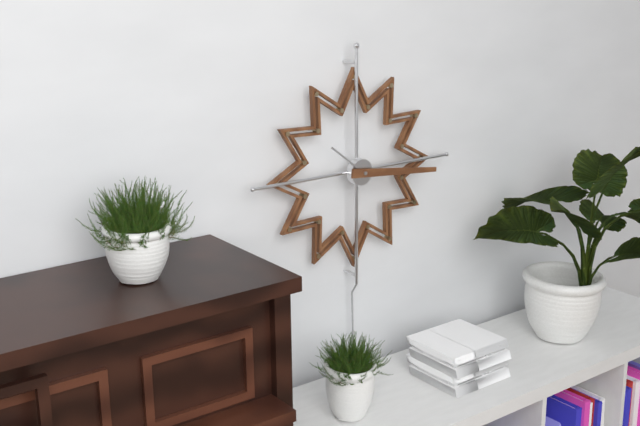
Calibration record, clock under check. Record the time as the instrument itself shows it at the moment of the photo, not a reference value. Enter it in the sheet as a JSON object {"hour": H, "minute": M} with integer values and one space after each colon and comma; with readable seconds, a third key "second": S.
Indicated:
{"hour": 10, "minute": 16}
